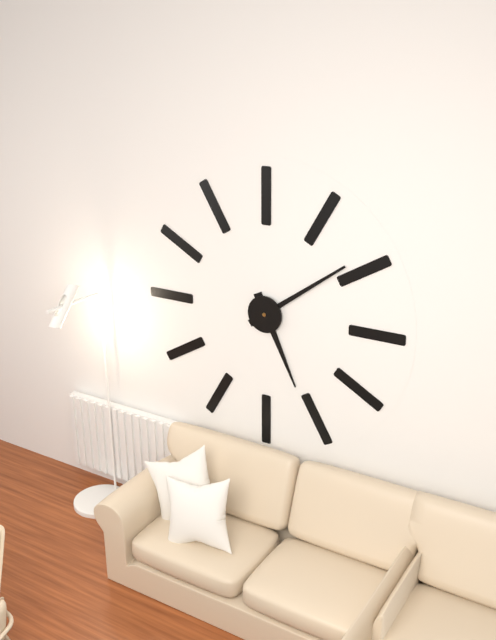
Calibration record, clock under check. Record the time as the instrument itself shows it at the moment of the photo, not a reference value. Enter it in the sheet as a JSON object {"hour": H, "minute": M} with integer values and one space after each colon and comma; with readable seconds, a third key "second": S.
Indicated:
{"hour": 5, "minute": 9}
